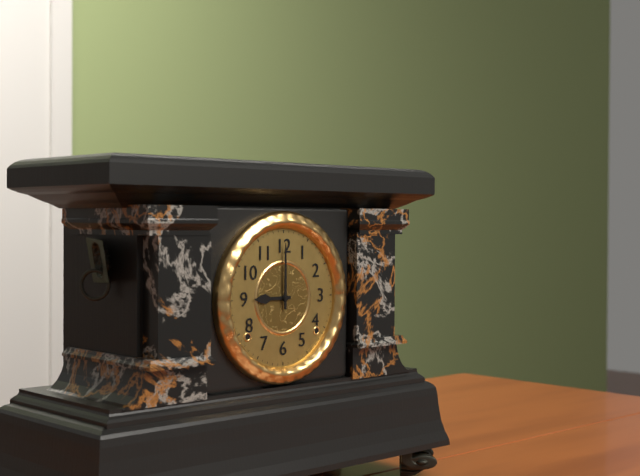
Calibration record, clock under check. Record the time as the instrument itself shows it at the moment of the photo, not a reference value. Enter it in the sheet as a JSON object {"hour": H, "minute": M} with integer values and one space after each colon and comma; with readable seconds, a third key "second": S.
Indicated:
{"hour": 9, "minute": 0}
